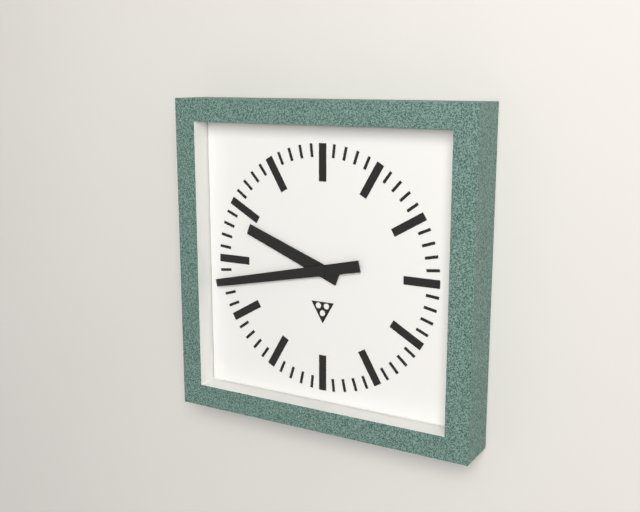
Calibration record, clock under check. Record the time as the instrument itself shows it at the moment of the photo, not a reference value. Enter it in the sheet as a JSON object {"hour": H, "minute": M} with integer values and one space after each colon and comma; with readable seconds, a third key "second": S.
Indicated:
{"hour": 9, "minute": 43}
